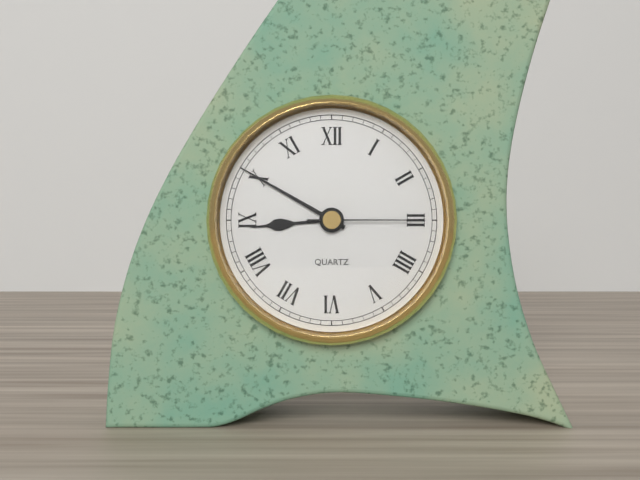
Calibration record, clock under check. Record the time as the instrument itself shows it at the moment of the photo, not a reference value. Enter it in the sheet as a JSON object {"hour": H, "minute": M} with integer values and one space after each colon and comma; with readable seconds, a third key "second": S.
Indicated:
{"hour": 8, "minute": 50, "second": 15}
